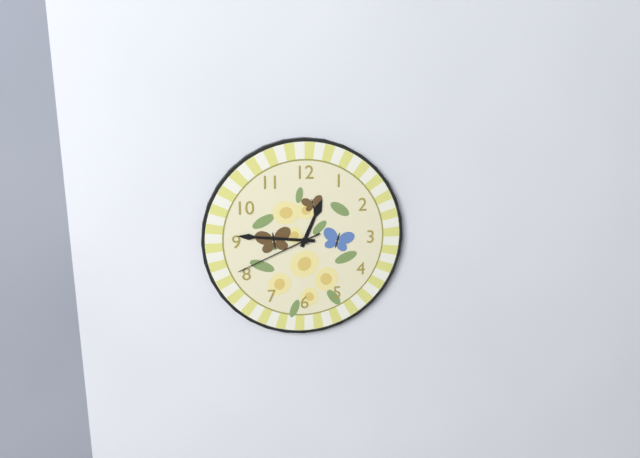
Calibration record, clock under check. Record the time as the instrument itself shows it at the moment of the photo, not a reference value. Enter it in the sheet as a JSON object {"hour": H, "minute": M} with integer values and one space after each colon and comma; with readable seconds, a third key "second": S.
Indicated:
{"hour": 12, "minute": 46, "second": 41}
